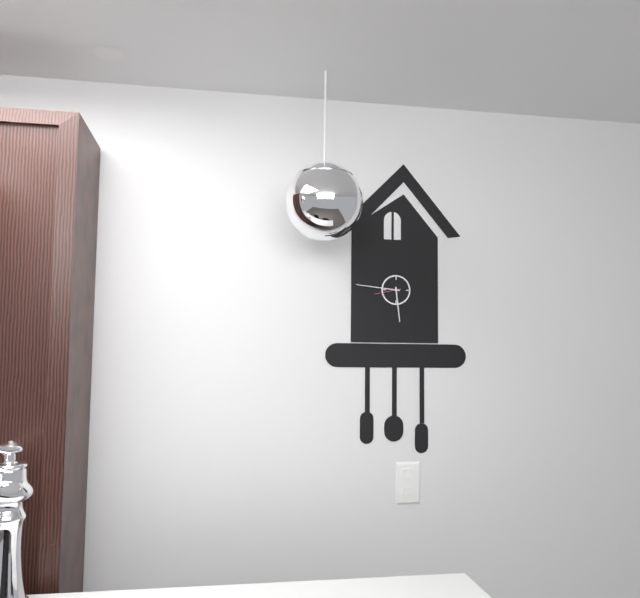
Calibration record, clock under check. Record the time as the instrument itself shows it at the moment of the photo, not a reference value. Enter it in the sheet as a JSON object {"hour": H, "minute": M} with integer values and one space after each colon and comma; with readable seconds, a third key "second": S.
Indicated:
{"hour": 5, "minute": 46}
